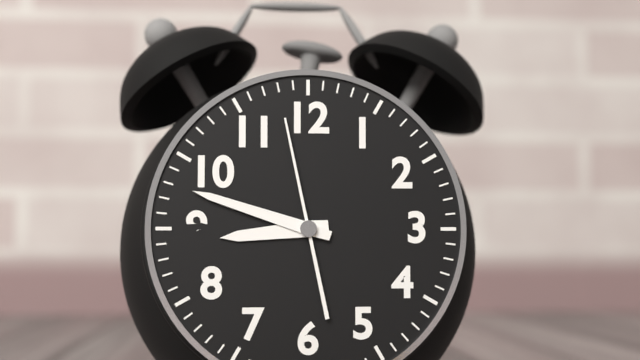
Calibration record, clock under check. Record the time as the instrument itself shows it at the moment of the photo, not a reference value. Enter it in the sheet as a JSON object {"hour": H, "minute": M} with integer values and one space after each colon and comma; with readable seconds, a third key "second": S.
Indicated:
{"hour": 8, "minute": 48, "second": 58}
